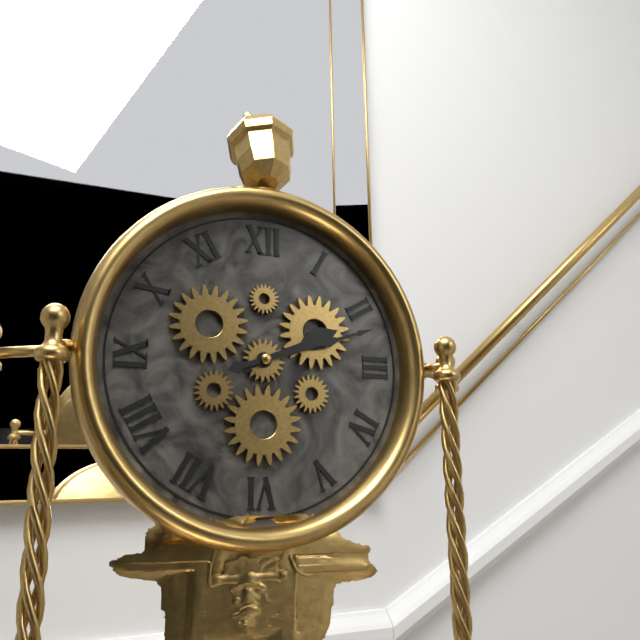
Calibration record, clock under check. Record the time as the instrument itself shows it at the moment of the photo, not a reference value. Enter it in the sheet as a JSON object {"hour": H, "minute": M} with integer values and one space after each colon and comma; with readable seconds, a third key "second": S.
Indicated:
{"hour": 2, "minute": 12}
